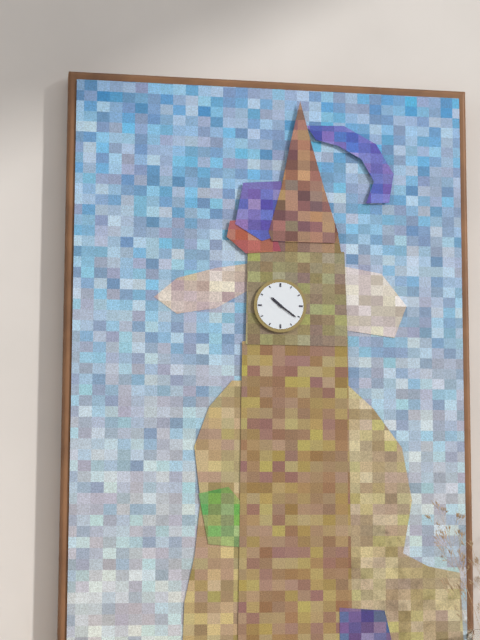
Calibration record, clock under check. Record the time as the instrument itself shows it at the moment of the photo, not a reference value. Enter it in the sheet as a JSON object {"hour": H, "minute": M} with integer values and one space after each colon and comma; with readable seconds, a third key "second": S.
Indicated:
{"hour": 10, "minute": 21}
